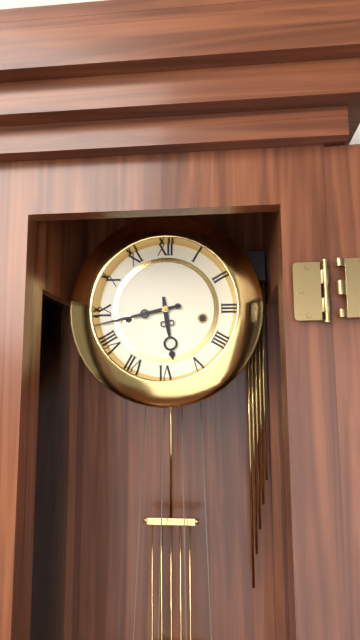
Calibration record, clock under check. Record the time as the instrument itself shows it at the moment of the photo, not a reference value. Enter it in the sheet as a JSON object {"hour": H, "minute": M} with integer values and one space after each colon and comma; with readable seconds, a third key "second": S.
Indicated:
{"hour": 5, "minute": 43}
